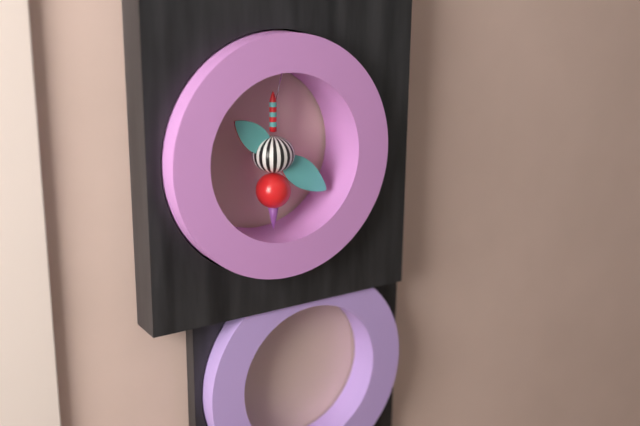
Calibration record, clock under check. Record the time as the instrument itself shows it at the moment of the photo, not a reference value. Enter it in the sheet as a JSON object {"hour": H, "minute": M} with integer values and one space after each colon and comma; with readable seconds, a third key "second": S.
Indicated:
{"hour": 10, "minute": 21}
